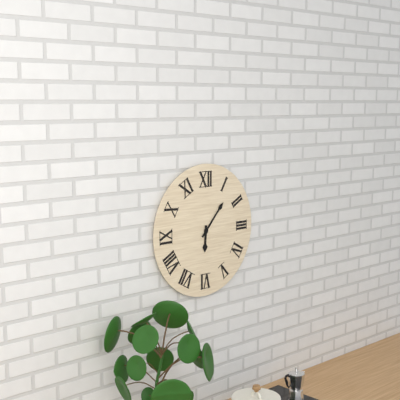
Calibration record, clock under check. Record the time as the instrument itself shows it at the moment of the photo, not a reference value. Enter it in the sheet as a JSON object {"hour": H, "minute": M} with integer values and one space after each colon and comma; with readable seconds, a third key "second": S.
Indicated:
{"hour": 6, "minute": 7}
